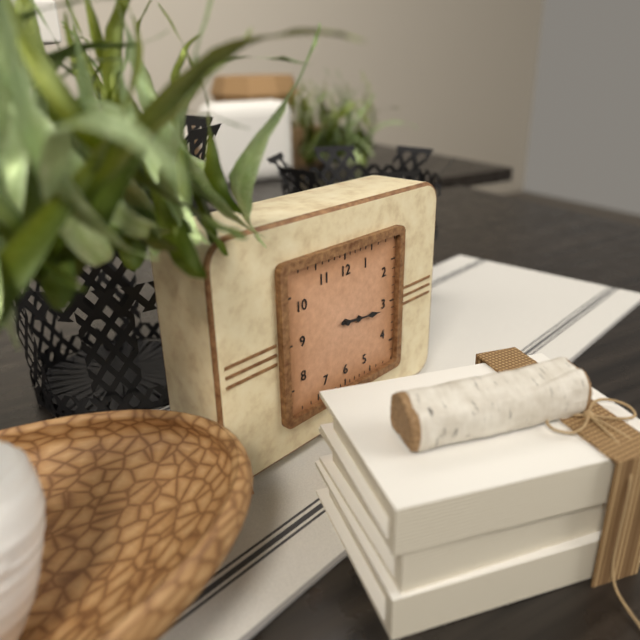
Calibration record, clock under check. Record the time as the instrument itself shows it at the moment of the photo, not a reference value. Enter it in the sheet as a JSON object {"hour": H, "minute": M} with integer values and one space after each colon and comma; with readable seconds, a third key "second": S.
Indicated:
{"hour": 3, "minute": 16}
